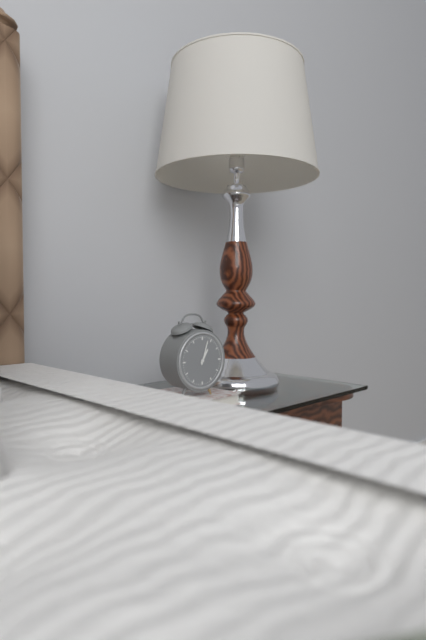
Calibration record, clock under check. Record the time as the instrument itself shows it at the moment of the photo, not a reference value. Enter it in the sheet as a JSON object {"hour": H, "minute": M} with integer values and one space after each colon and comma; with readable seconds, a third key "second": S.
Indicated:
{"hour": 1, "minute": 3}
